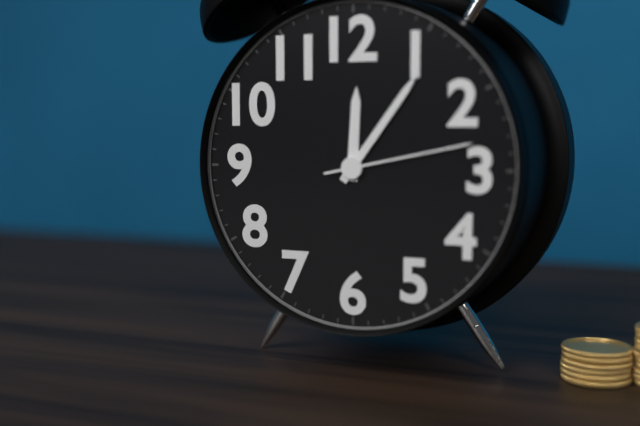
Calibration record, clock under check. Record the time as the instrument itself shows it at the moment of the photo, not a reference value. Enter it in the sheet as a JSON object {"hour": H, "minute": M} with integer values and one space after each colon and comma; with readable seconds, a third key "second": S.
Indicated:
{"hour": 12, "minute": 6, "second": 13}
